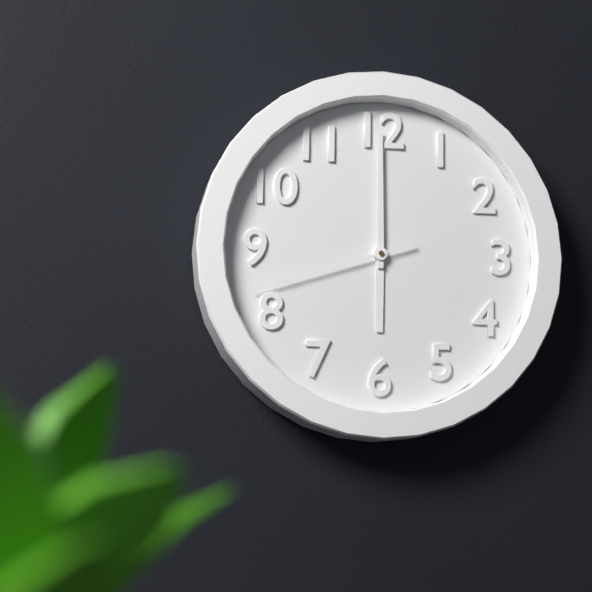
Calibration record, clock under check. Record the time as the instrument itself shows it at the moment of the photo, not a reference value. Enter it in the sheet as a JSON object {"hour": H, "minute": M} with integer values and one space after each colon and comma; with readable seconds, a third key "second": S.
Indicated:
{"hour": 6, "minute": 0, "second": 42}
